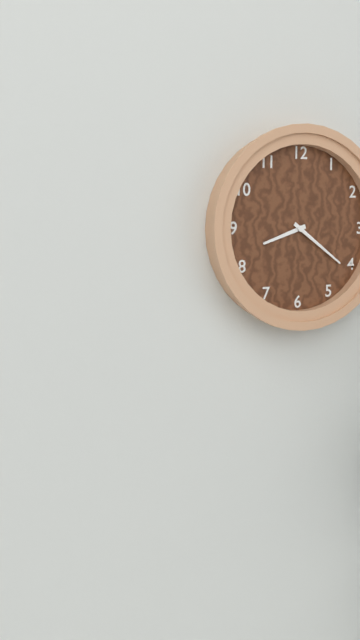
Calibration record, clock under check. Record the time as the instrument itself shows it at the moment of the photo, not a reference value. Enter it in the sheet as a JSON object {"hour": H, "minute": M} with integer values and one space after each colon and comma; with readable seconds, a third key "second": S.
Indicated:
{"hour": 8, "minute": 21}
